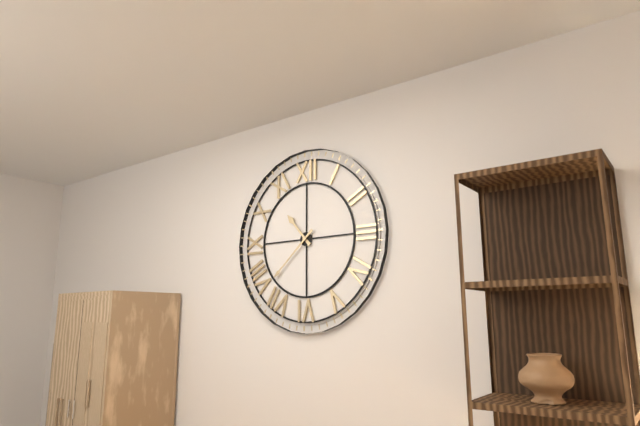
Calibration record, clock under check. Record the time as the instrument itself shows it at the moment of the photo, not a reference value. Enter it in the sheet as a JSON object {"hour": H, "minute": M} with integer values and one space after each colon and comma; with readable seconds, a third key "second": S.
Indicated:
{"hour": 10, "minute": 38}
